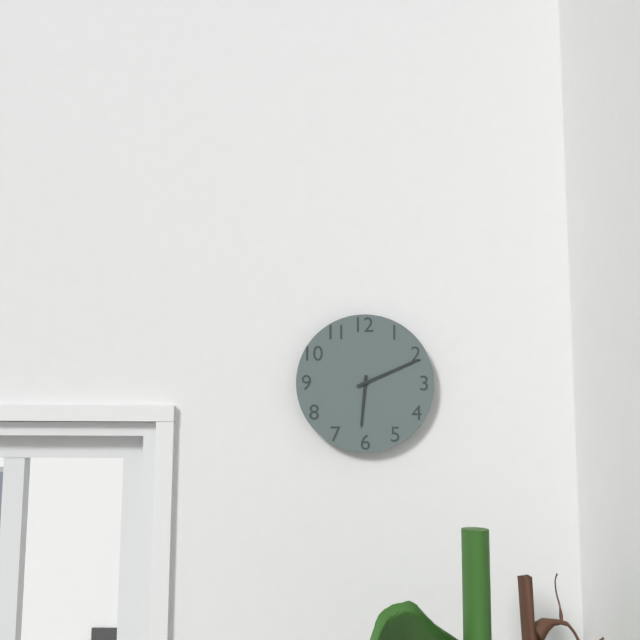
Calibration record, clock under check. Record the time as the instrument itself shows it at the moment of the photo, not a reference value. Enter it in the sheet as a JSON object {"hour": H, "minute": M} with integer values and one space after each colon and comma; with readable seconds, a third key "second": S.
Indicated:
{"hour": 6, "minute": 11}
